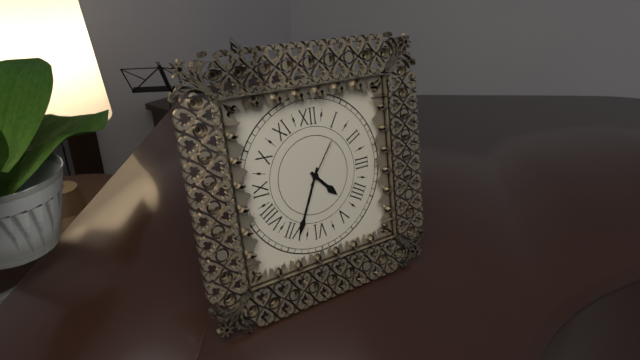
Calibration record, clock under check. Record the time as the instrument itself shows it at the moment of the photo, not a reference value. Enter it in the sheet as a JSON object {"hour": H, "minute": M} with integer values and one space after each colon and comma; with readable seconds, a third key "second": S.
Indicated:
{"hour": 4, "minute": 34, "second": 6}
